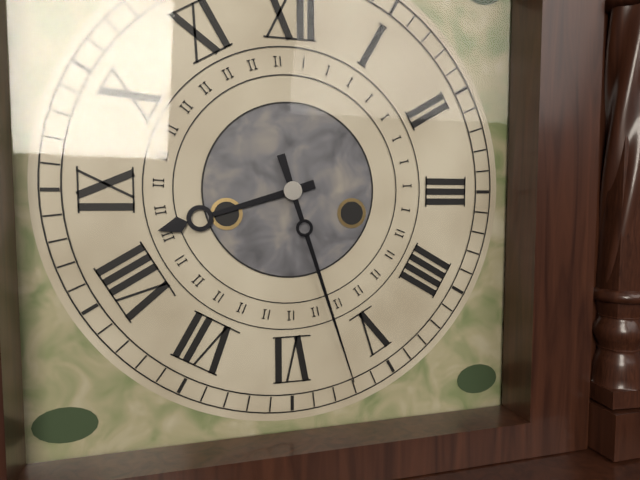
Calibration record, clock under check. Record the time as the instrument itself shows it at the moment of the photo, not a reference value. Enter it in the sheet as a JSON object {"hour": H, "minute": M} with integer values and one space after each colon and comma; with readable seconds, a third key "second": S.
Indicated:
{"hour": 8, "minute": 27}
